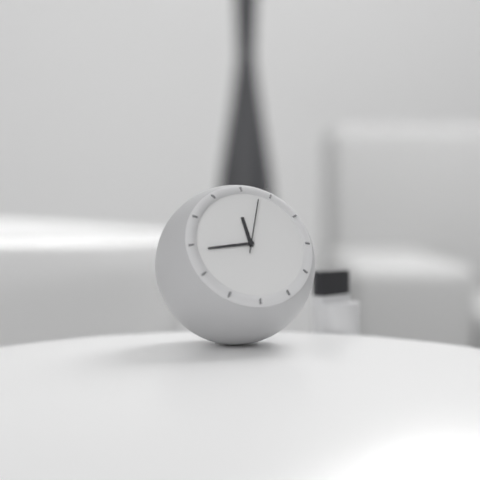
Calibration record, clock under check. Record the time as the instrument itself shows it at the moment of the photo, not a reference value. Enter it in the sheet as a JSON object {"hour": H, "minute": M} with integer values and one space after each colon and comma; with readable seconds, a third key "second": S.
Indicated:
{"hour": 11, "minute": 44, "second": 3}
